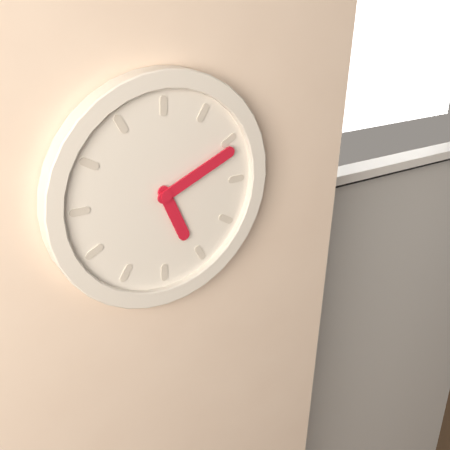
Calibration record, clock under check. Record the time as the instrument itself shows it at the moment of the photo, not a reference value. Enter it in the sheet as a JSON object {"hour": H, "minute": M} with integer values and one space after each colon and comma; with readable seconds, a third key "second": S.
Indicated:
{"hour": 5, "minute": 11}
